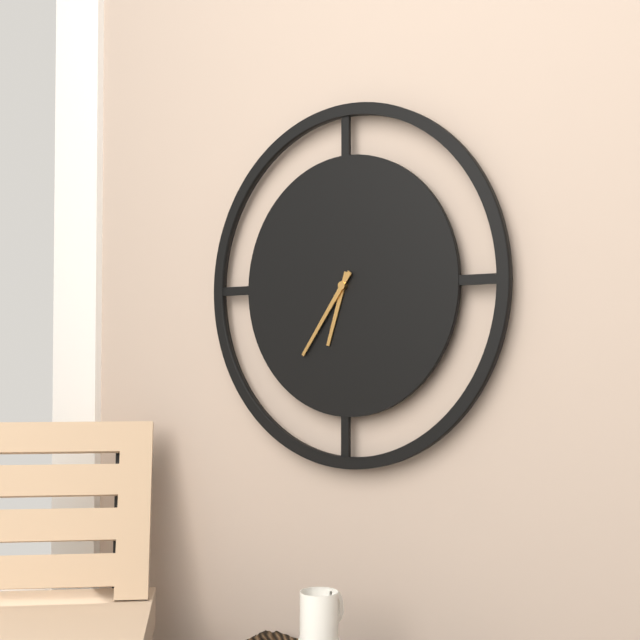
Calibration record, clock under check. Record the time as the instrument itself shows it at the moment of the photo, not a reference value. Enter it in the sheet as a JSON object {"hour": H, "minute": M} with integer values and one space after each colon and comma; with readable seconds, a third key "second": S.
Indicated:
{"hour": 6, "minute": 36}
